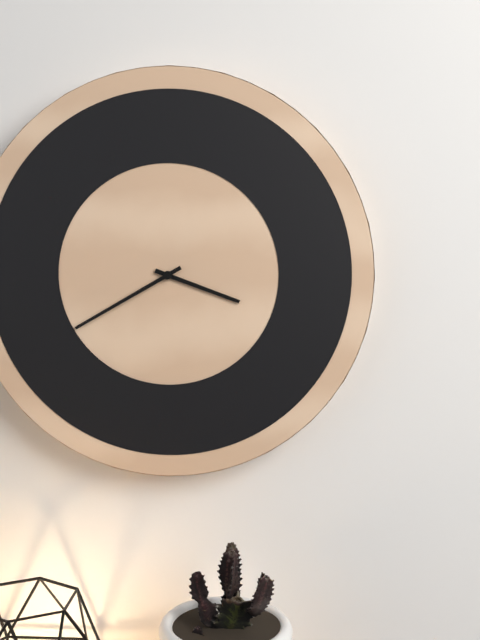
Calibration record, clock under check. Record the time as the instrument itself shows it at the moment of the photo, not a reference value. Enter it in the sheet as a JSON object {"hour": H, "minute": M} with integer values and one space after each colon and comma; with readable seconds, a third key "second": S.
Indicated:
{"hour": 3, "minute": 40}
